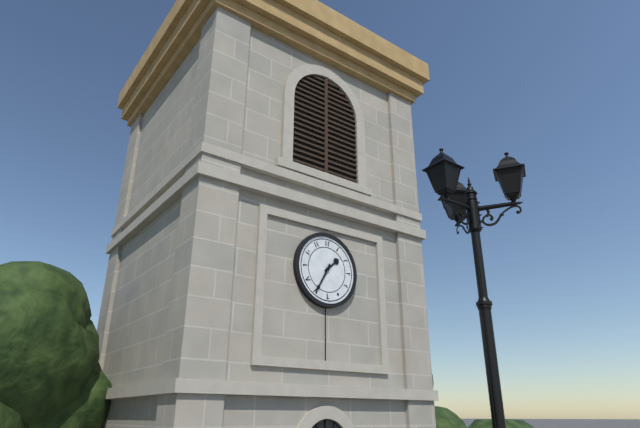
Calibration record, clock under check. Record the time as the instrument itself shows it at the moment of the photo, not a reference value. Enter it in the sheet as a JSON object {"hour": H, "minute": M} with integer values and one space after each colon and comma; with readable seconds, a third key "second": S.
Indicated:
{"hour": 1, "minute": 35}
